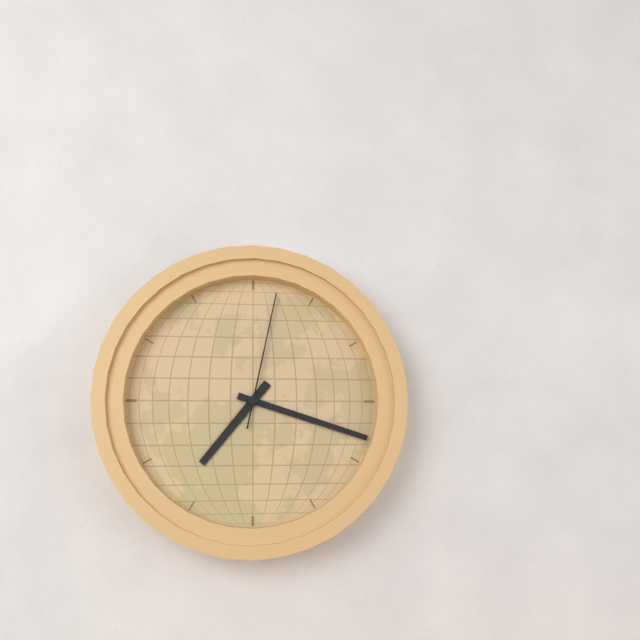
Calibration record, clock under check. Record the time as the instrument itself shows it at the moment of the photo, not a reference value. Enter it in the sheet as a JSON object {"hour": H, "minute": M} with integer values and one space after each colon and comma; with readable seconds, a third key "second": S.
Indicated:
{"hour": 7, "minute": 18, "second": 2}
